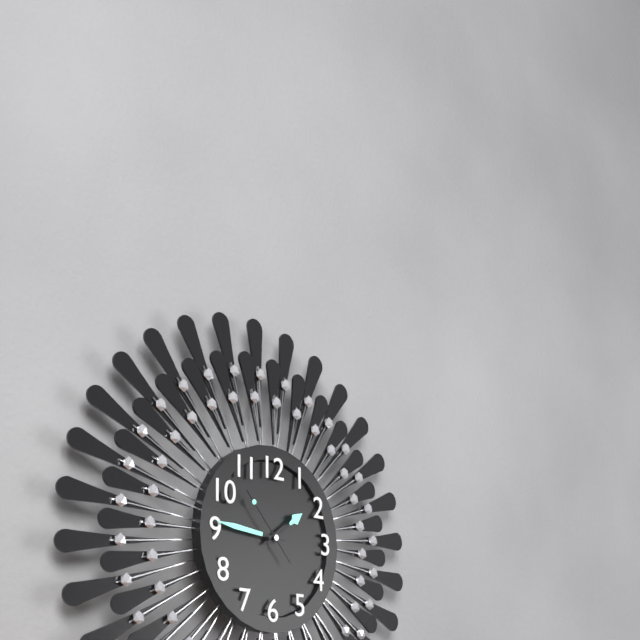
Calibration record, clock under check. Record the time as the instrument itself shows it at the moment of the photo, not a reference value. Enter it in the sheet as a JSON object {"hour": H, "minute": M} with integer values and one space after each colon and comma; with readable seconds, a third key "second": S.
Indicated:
{"hour": 1, "minute": 46, "second": 53}
